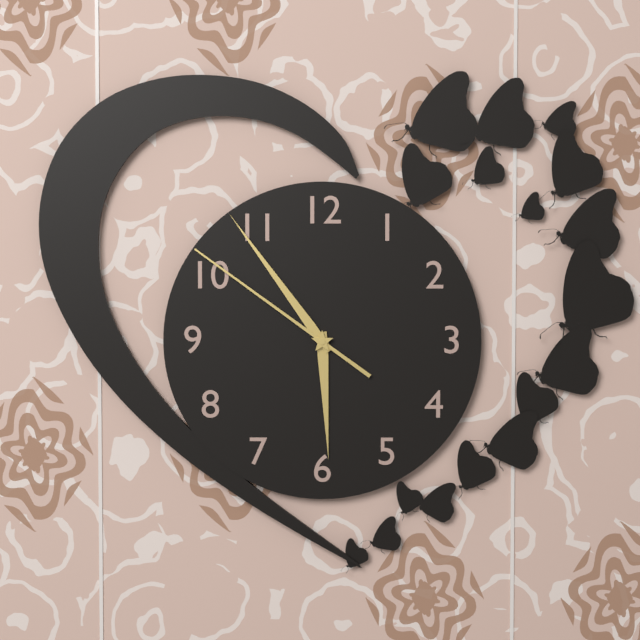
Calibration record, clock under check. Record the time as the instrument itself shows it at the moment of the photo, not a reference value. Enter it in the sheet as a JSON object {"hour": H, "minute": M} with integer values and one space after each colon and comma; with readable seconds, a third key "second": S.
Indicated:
{"hour": 5, "minute": 54, "second": 51}
